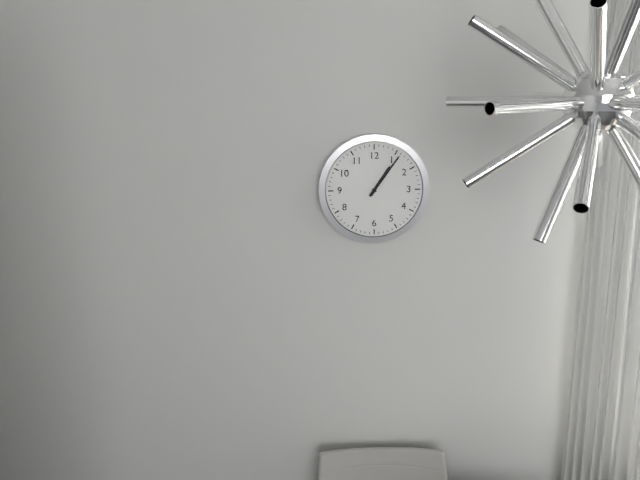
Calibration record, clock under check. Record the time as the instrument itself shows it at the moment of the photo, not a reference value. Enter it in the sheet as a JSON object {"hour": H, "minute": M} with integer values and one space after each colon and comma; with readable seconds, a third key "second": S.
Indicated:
{"hour": 1, "minute": 6}
